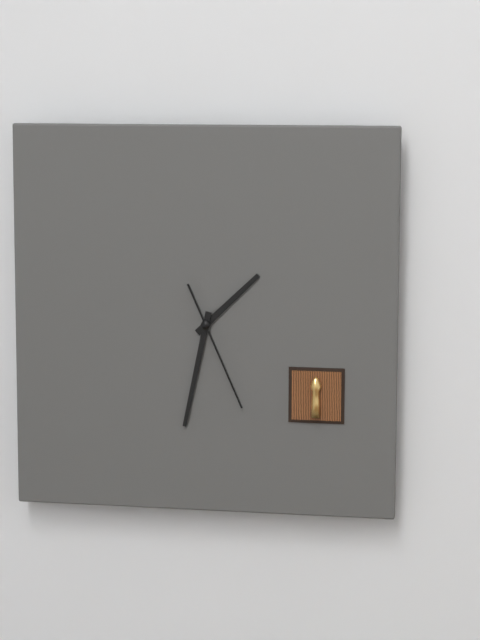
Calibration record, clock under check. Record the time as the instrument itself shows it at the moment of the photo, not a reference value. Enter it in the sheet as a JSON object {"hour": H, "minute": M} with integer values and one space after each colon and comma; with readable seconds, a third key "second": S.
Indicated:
{"hour": 1, "minute": 32, "second": 26}
